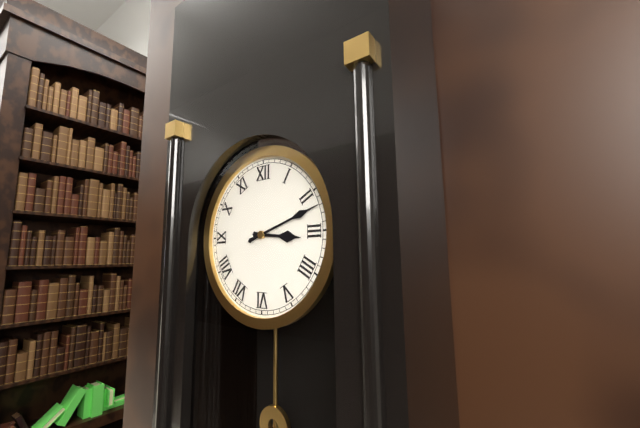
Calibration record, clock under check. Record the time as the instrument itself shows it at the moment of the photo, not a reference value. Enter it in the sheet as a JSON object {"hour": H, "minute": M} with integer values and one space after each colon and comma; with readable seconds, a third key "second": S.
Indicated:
{"hour": 3, "minute": 12}
